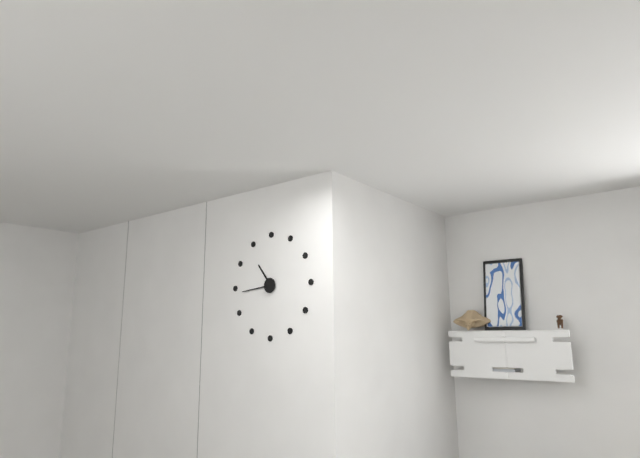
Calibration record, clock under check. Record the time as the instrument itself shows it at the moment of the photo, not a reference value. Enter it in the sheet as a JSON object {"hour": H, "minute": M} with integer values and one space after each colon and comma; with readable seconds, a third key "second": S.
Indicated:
{"hour": 10, "minute": 44}
